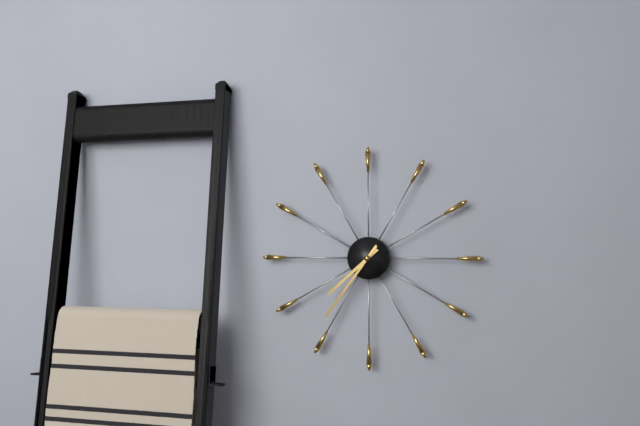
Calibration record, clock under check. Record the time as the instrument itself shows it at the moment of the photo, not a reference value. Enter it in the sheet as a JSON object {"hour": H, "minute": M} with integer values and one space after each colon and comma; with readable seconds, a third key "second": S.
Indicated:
{"hour": 7, "minute": 36}
